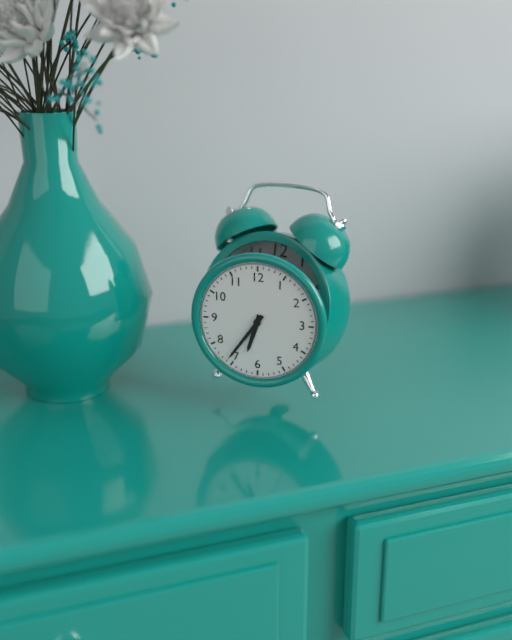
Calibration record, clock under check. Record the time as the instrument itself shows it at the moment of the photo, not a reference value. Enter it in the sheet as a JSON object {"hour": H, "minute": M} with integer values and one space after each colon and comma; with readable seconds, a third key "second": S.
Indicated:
{"hour": 6, "minute": 36}
